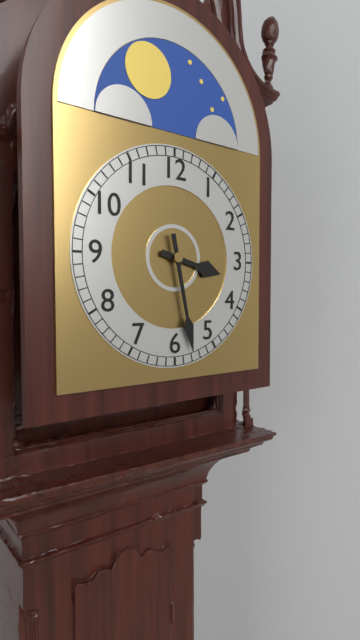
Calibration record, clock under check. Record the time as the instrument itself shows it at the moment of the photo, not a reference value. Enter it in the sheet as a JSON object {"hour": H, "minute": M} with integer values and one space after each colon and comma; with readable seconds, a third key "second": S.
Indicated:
{"hour": 3, "minute": 28}
